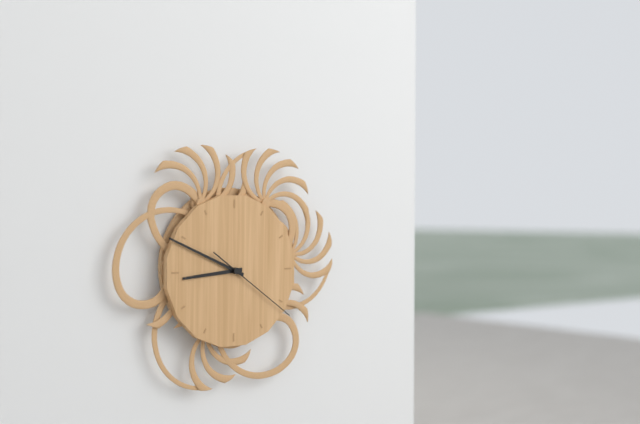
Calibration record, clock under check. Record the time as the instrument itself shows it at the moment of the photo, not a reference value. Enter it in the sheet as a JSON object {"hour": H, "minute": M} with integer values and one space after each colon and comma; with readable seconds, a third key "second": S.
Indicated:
{"hour": 8, "minute": 49, "second": 21}
